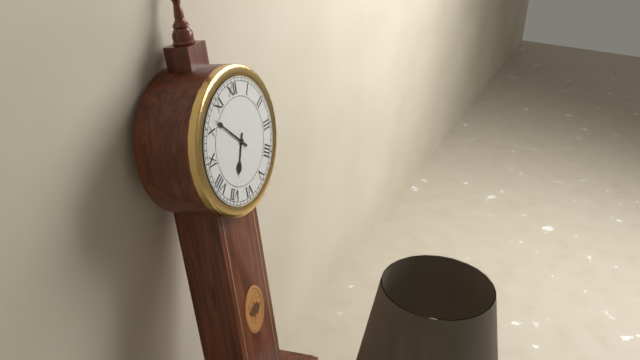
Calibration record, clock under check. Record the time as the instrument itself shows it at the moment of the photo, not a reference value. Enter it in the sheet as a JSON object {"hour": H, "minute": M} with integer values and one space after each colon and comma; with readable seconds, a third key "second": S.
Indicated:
{"hour": 6, "minute": 52}
